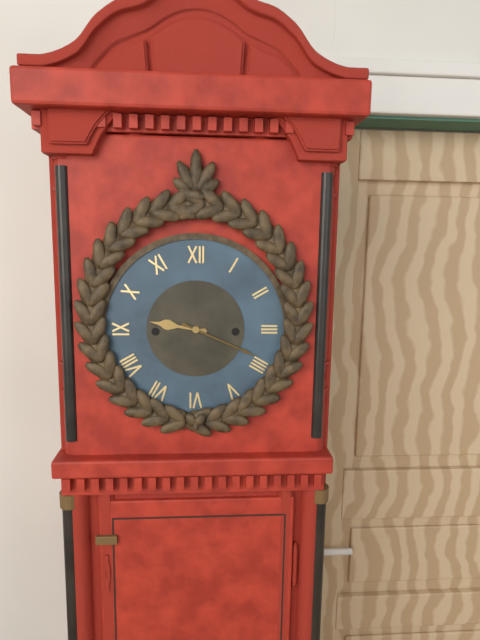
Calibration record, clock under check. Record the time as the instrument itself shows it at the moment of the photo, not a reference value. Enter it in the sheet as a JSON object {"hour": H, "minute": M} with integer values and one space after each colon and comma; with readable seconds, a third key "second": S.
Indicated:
{"hour": 9, "minute": 19}
